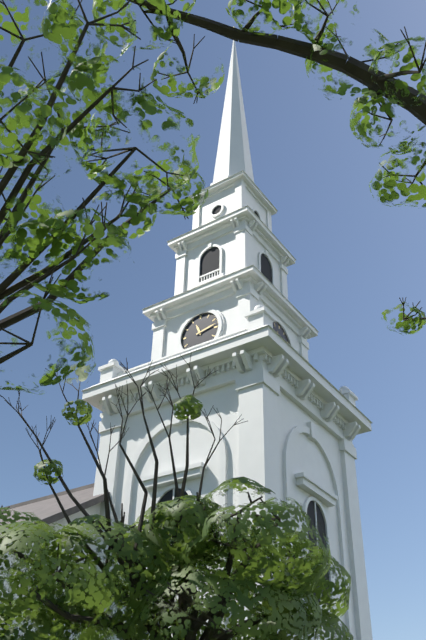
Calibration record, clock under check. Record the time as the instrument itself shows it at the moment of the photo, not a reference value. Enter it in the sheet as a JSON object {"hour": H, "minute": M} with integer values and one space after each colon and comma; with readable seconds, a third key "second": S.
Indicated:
{"hour": 11, "minute": 13}
